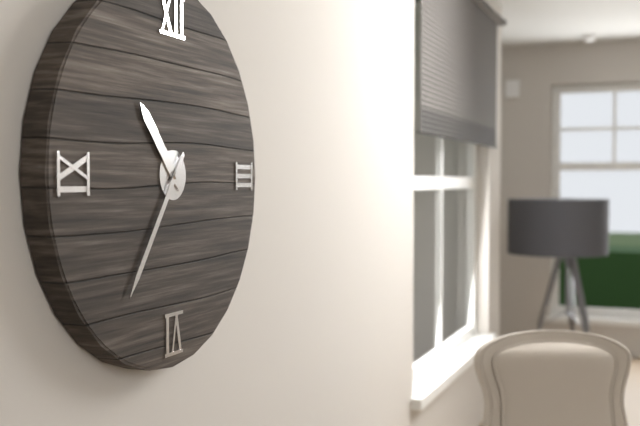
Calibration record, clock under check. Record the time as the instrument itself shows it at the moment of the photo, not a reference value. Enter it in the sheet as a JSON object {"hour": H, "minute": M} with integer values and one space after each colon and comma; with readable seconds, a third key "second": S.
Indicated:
{"hour": 10, "minute": 36}
